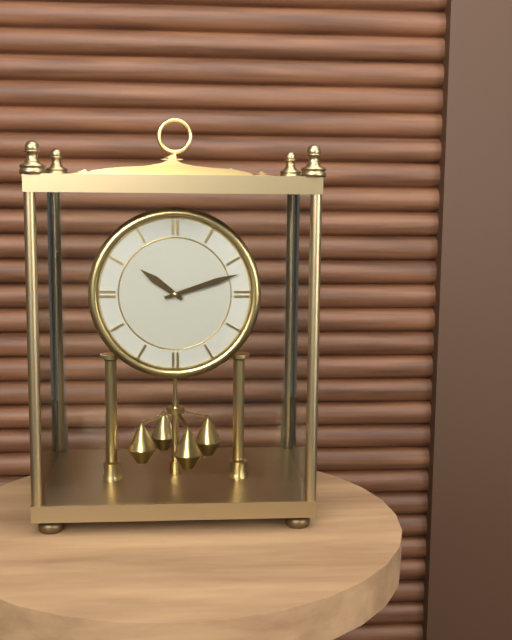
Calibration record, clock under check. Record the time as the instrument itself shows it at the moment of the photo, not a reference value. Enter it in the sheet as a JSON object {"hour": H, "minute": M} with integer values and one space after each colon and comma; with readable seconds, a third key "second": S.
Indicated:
{"hour": 10, "minute": 12}
